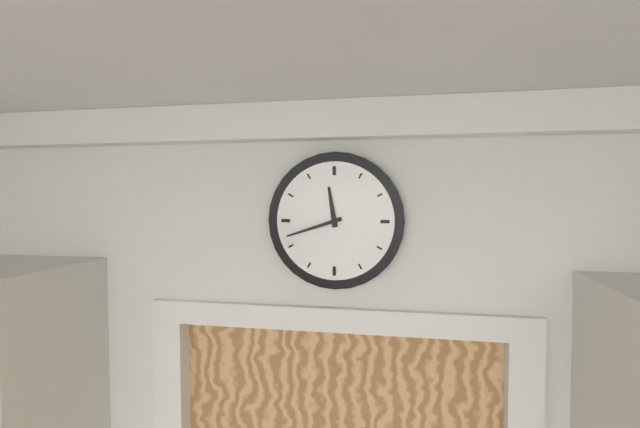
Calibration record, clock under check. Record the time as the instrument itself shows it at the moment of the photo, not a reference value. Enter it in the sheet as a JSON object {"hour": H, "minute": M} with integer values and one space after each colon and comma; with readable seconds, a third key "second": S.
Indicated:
{"hour": 11, "minute": 42}
